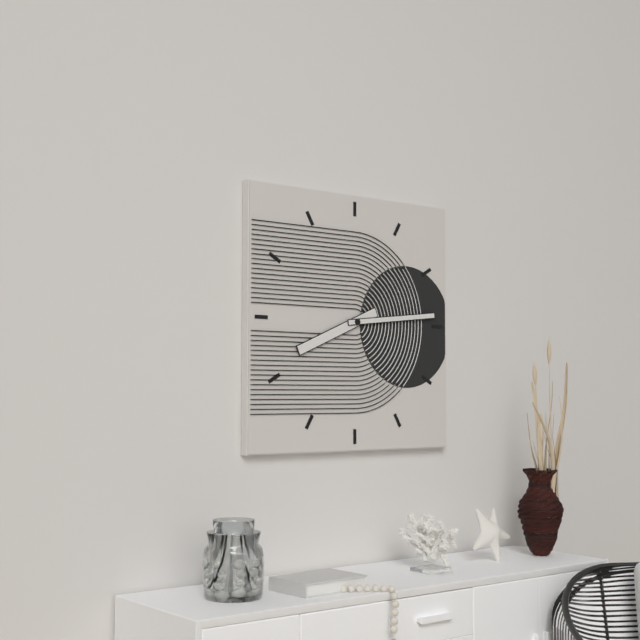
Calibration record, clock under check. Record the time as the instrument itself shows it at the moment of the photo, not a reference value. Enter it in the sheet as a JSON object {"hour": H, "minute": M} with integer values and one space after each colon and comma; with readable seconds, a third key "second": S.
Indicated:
{"hour": 8, "minute": 14}
